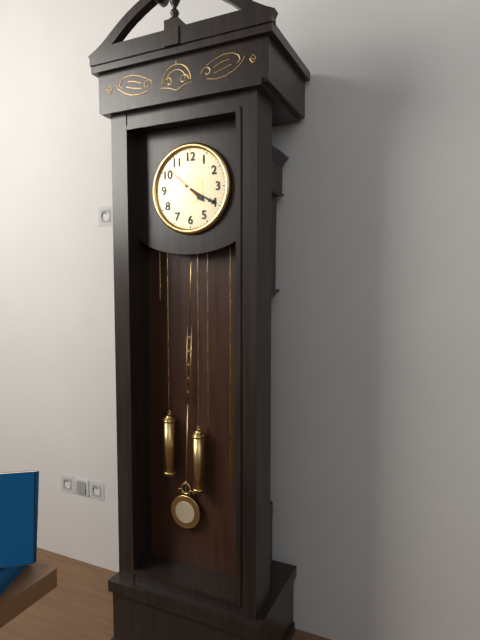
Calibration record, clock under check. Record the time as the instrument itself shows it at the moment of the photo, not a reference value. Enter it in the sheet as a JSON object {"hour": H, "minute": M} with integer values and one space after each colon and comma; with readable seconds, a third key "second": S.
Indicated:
{"hour": 4, "minute": 20}
